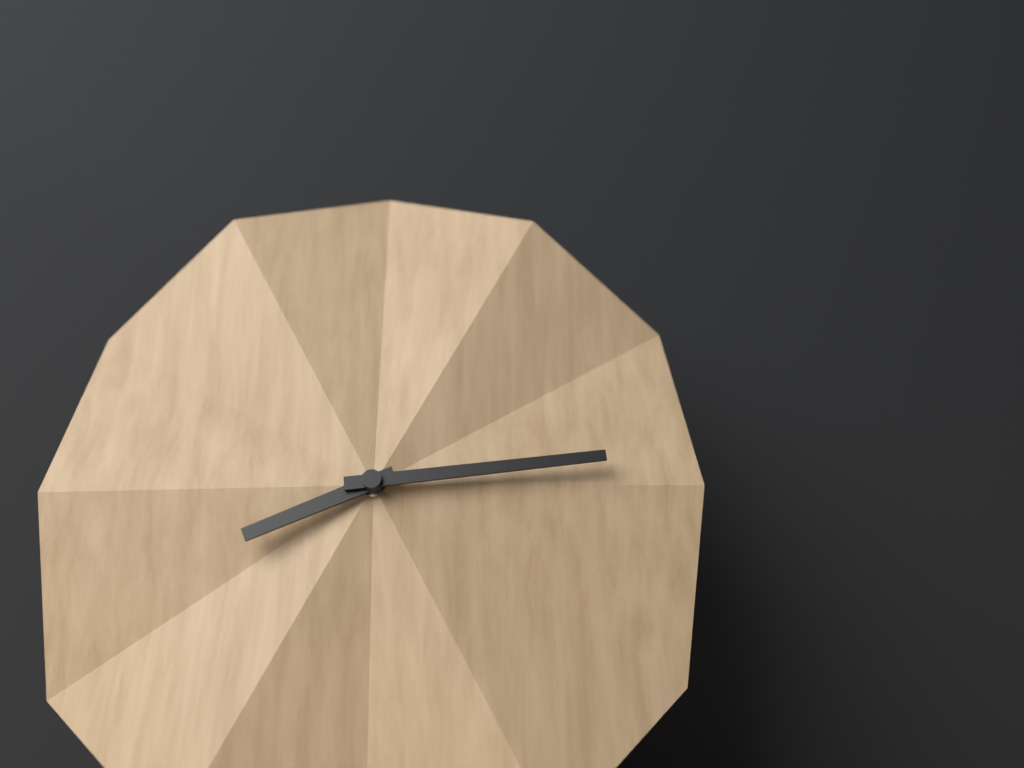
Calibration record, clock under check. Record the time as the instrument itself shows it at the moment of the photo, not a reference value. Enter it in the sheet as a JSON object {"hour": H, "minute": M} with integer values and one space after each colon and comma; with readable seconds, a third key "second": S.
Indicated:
{"hour": 8, "minute": 14}
